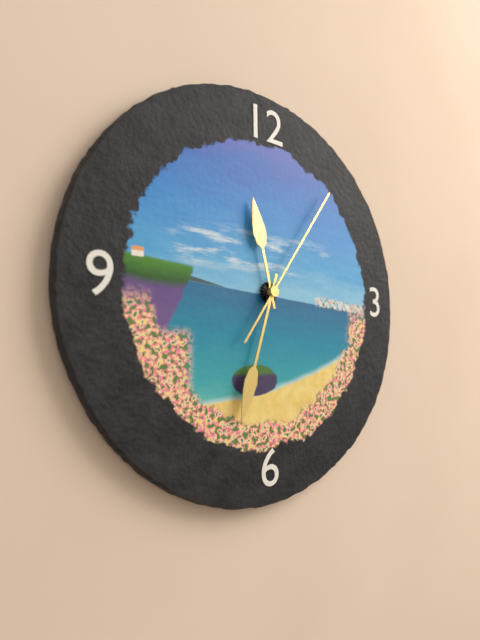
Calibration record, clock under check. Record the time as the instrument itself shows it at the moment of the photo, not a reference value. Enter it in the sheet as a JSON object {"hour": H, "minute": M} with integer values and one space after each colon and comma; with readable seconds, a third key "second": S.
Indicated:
{"hour": 11, "minute": 33, "second": 6}
